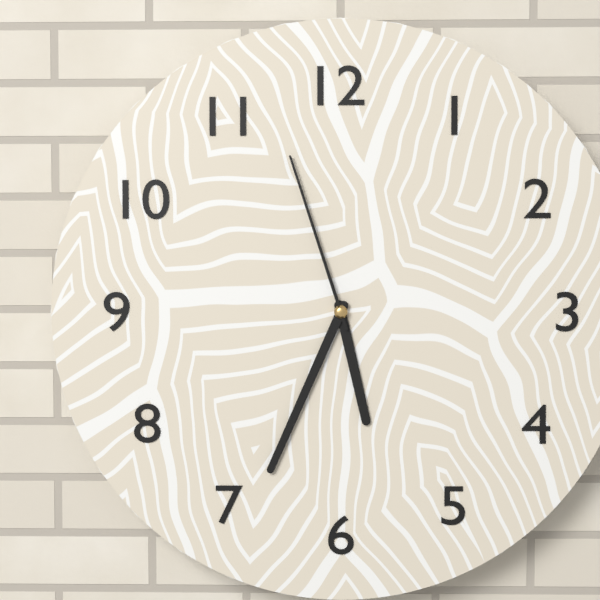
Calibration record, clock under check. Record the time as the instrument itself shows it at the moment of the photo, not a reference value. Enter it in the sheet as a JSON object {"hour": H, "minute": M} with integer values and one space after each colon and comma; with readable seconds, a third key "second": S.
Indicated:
{"hour": 5, "minute": 34, "second": 57}
